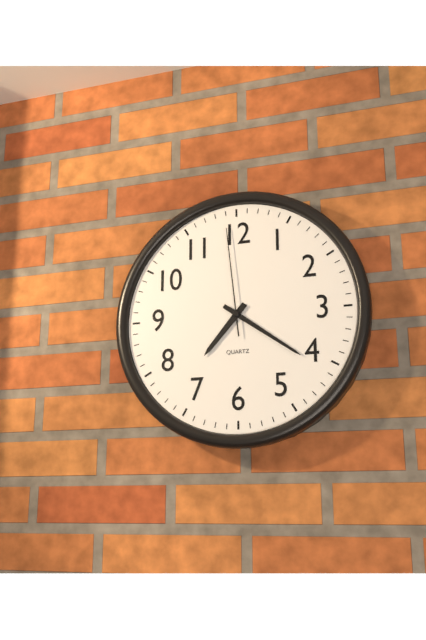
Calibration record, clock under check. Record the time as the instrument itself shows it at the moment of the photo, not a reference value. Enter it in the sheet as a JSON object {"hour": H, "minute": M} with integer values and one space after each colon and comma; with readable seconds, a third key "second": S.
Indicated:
{"hour": 7, "minute": 21, "second": 59}
